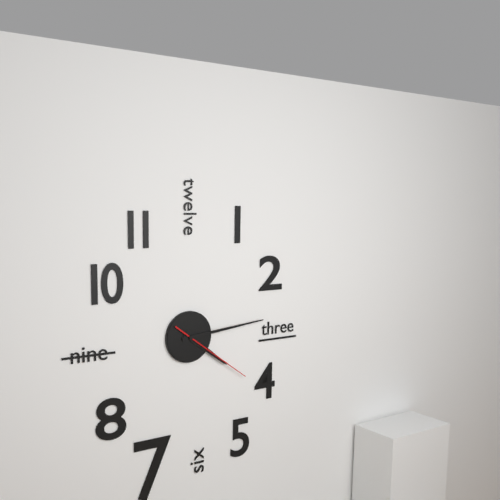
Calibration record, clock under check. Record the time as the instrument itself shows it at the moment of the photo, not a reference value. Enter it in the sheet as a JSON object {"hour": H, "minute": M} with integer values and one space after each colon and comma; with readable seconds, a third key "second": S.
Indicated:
{"hour": 4, "minute": 14, "second": 21}
